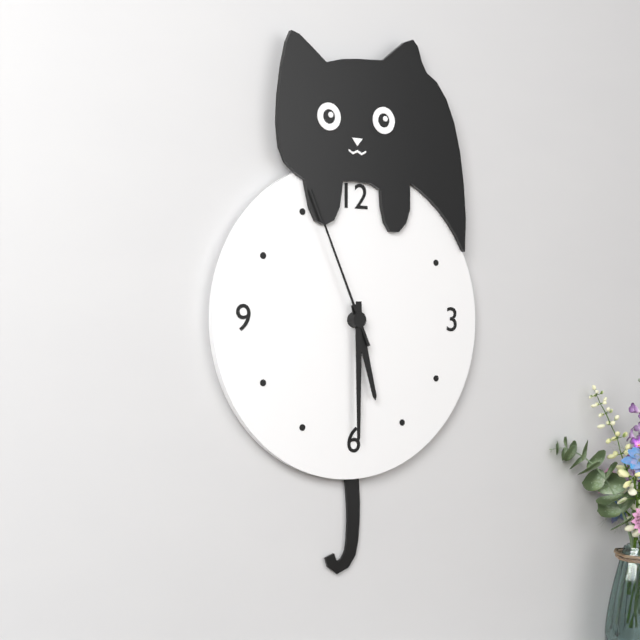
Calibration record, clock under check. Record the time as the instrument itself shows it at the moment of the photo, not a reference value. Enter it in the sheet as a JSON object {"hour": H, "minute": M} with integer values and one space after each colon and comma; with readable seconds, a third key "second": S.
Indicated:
{"hour": 5, "minute": 30, "second": 56}
